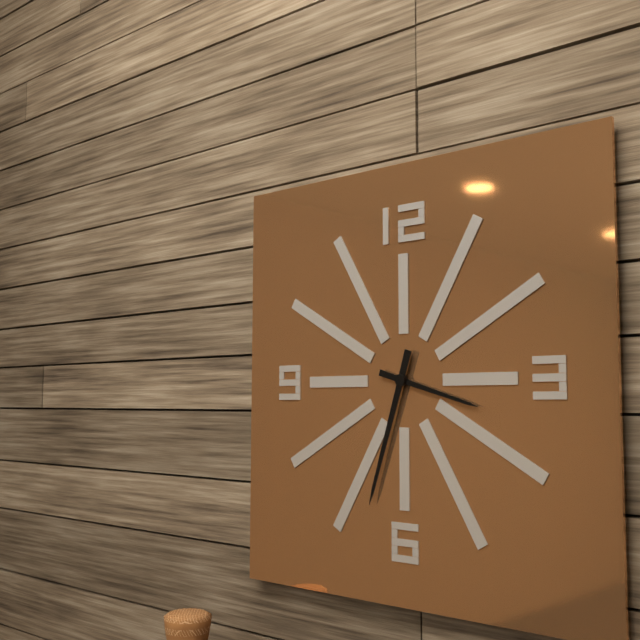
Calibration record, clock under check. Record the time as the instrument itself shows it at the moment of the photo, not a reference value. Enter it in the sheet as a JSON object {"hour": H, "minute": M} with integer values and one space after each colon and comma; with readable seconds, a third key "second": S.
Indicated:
{"hour": 3, "minute": 33}
